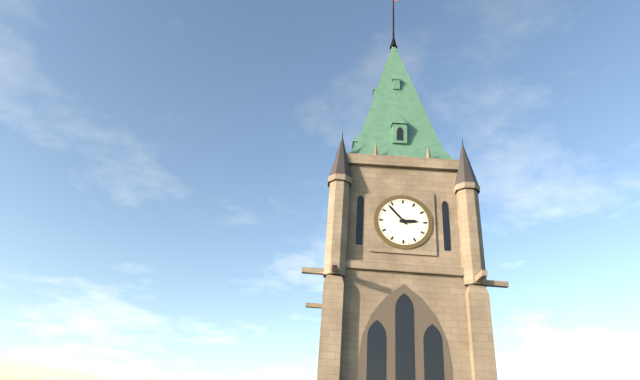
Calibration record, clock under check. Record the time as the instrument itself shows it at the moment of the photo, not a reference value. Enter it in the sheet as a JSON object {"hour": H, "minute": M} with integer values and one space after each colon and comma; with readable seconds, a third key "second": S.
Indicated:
{"hour": 2, "minute": 53}
